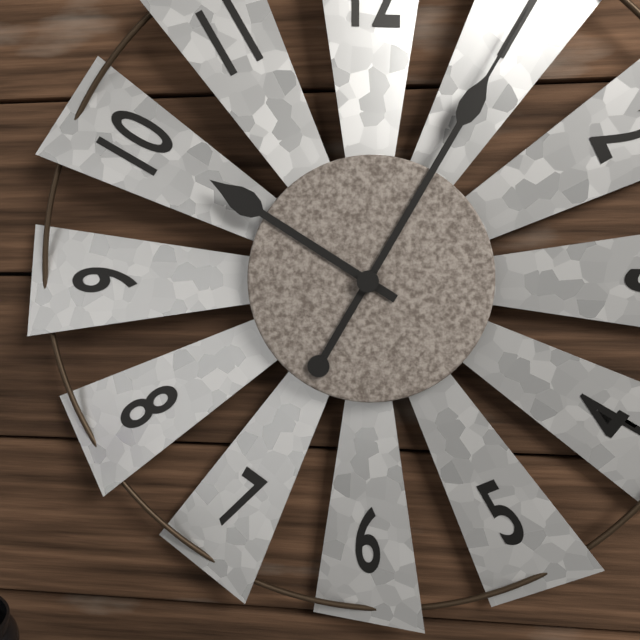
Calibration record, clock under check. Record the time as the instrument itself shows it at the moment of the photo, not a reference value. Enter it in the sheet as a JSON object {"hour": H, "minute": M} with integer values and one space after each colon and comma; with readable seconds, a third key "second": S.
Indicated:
{"hour": 10, "minute": 5}
